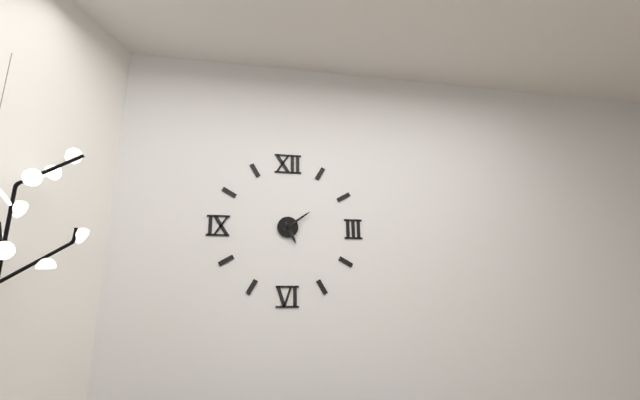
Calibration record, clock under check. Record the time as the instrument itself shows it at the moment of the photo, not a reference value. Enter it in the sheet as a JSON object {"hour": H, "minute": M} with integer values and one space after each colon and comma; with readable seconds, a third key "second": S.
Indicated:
{"hour": 5, "minute": 9}
